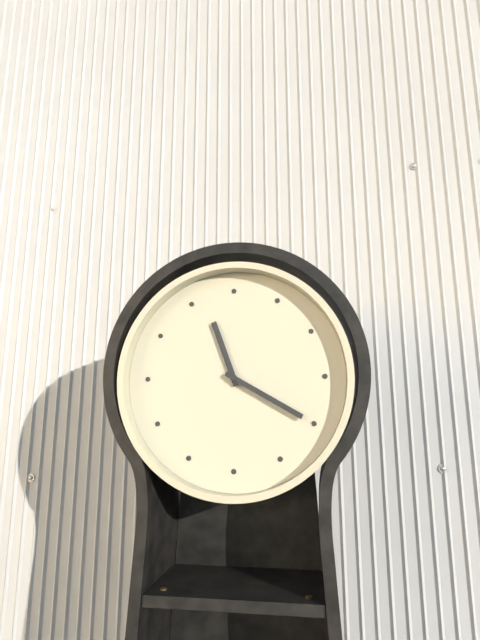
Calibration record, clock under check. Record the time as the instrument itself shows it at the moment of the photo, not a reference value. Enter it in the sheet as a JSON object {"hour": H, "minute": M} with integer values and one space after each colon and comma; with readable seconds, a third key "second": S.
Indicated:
{"hour": 11, "minute": 20}
